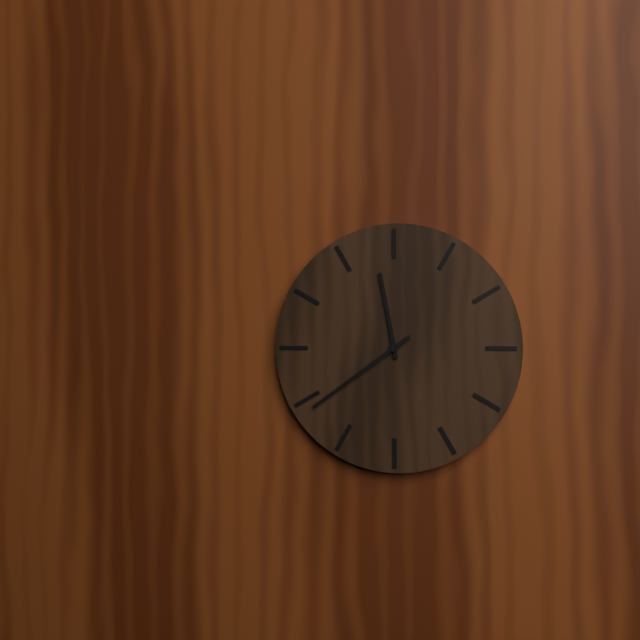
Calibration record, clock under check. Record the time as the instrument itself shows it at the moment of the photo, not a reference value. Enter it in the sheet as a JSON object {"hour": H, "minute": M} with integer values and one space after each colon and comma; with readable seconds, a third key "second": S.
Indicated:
{"hour": 11, "minute": 39}
